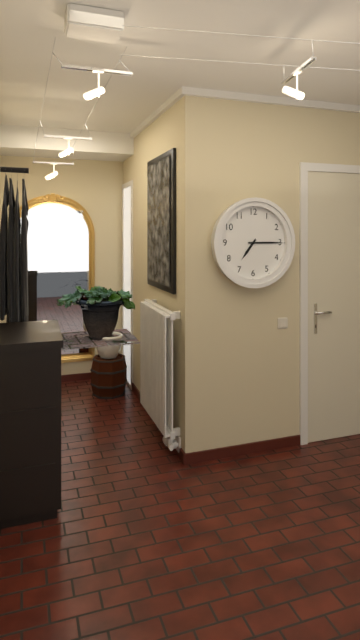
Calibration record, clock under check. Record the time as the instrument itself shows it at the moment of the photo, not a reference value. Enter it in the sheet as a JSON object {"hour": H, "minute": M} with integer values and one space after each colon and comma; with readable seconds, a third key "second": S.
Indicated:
{"hour": 7, "minute": 15}
